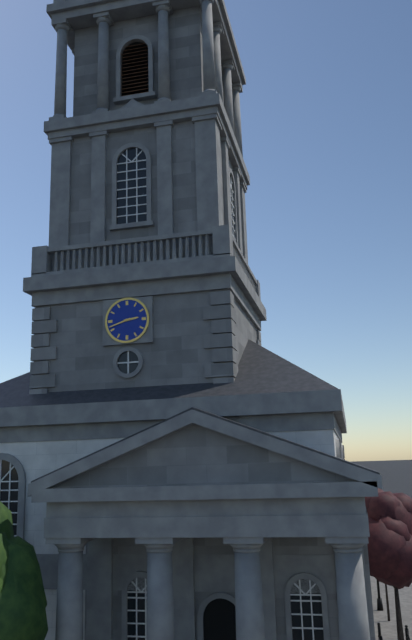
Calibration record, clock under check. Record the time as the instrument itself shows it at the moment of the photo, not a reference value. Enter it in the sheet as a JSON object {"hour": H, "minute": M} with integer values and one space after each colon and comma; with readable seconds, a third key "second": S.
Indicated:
{"hour": 2, "minute": 42}
